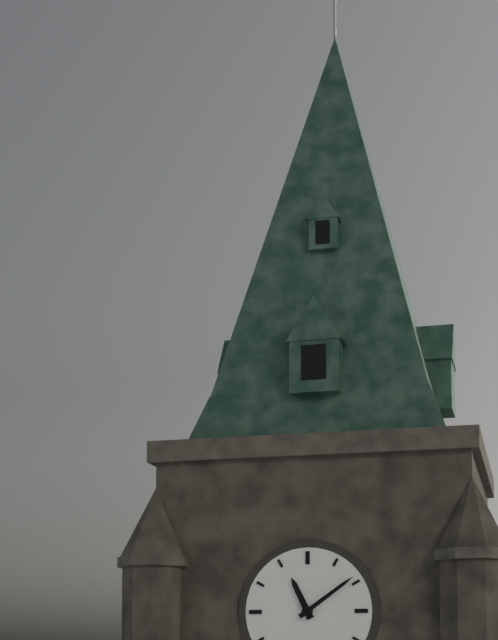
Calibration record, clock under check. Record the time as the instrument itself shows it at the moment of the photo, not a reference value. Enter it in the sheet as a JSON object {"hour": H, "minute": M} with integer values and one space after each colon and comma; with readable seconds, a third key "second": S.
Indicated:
{"hour": 11, "minute": 9}
